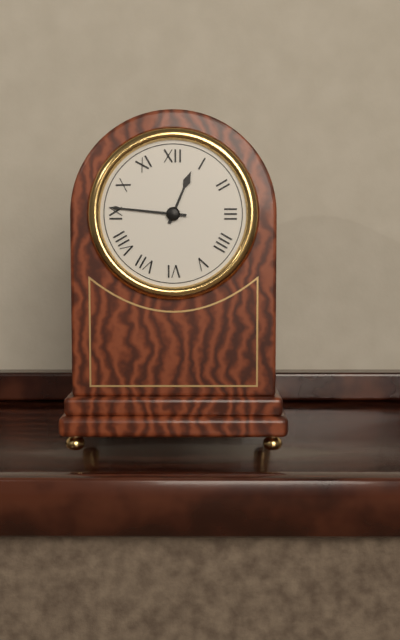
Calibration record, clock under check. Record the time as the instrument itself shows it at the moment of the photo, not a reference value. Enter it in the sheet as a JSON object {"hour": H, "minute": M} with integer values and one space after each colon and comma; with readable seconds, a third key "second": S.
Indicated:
{"hour": 12, "minute": 46}
